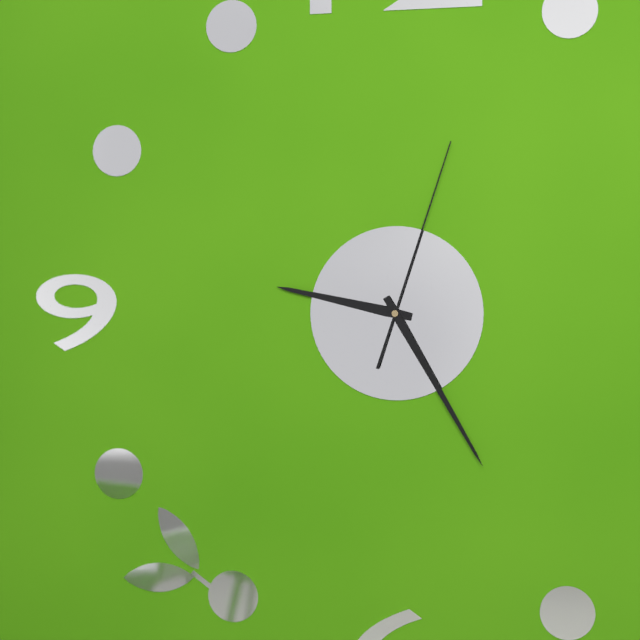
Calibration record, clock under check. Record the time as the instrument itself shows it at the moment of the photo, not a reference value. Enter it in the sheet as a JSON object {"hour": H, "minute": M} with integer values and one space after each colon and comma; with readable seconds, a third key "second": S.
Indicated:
{"hour": 9, "minute": 25, "second": 3}
